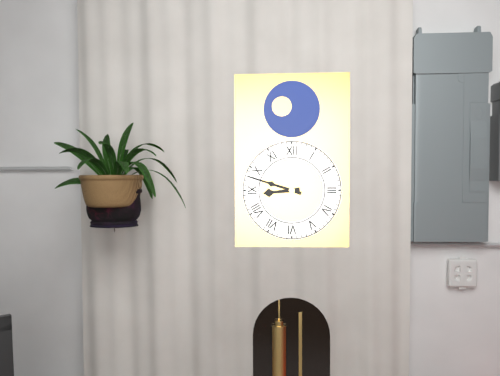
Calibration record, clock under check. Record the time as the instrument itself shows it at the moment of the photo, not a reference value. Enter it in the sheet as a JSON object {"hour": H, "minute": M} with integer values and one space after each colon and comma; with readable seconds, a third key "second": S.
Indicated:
{"hour": 8, "minute": 48}
